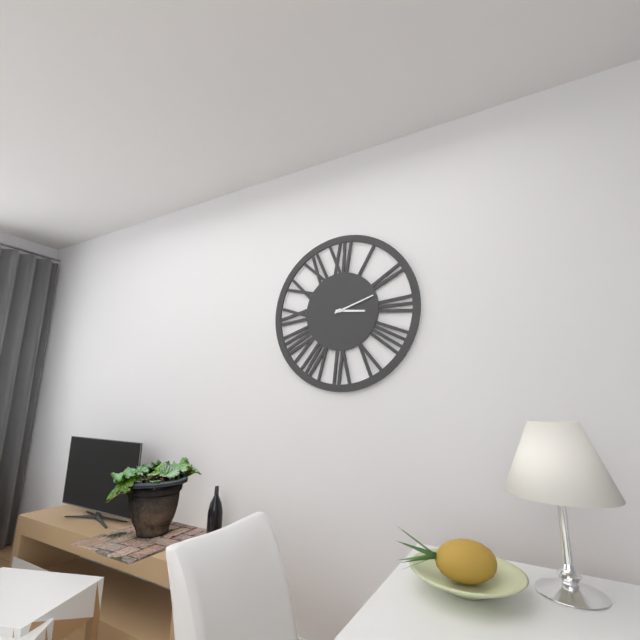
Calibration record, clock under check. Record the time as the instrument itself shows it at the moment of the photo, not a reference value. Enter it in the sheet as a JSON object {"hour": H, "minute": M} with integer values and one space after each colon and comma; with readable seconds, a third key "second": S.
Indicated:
{"hour": 3, "minute": 12}
